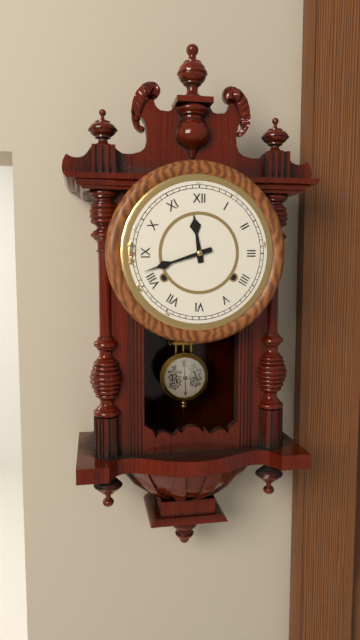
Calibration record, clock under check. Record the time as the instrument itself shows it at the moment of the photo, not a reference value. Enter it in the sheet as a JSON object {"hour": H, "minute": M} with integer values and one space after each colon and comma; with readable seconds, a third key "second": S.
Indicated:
{"hour": 11, "minute": 42}
